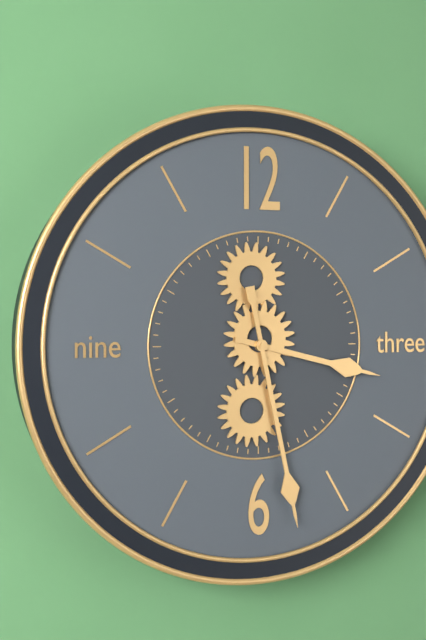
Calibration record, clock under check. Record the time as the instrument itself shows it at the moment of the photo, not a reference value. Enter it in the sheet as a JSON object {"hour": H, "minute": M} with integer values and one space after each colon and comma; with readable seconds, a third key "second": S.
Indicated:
{"hour": 3, "minute": 28}
